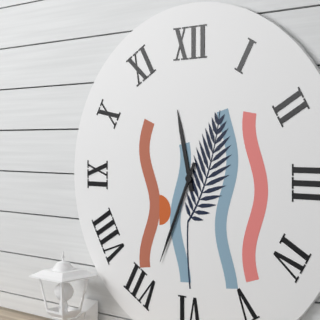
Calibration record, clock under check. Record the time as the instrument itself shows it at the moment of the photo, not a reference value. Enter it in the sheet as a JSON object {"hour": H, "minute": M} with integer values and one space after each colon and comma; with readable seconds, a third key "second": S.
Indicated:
{"hour": 11, "minute": 34}
